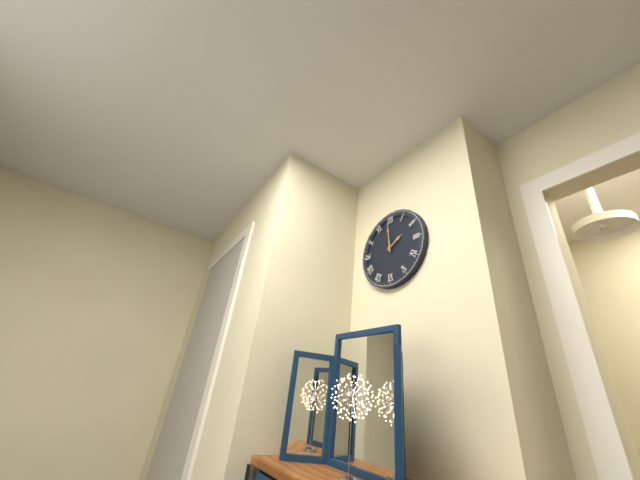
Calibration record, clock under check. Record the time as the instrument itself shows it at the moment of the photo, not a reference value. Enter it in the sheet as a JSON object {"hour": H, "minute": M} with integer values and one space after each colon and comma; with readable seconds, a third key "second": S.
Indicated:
{"hour": 1, "minute": 59}
